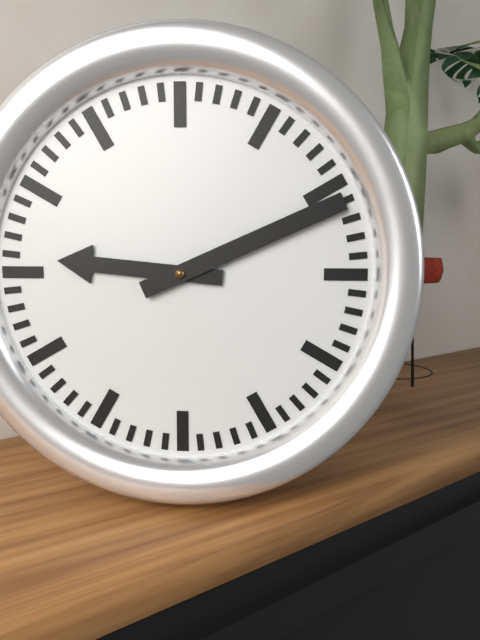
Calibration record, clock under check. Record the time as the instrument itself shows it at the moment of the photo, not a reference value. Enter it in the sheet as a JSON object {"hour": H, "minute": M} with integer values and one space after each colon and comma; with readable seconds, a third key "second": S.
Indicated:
{"hour": 9, "minute": 11}
